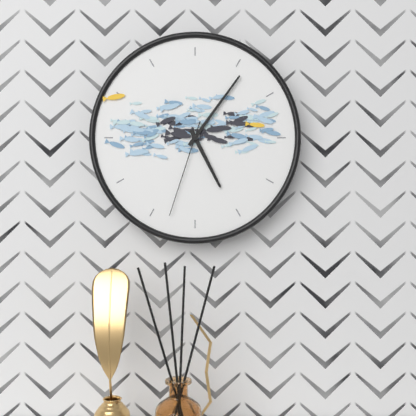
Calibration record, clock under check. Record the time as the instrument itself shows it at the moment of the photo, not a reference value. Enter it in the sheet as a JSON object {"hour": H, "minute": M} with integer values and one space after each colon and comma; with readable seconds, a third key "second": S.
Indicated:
{"hour": 5, "minute": 6, "second": 33}
